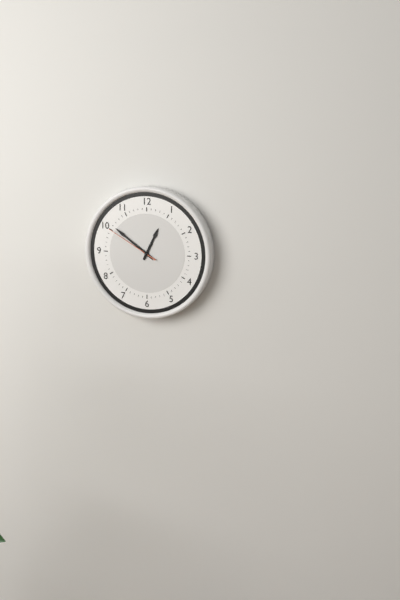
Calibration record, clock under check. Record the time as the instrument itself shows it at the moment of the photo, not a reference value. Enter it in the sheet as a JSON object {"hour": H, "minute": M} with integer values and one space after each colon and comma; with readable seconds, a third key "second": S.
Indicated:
{"hour": 12, "minute": 51, "second": 50}
